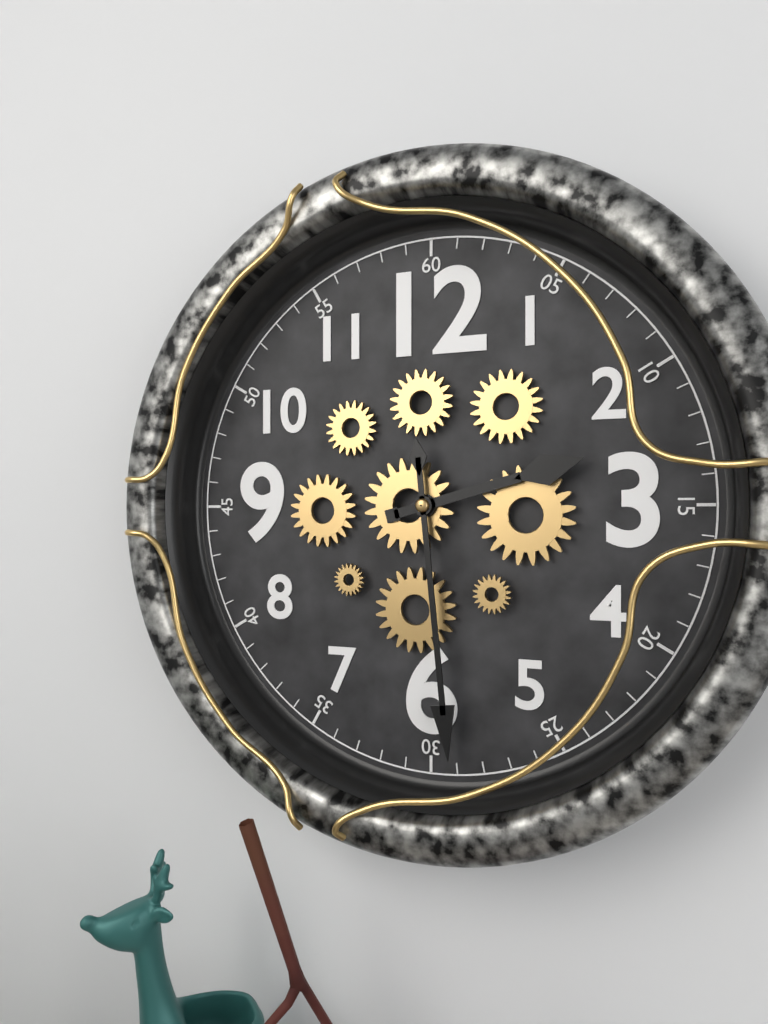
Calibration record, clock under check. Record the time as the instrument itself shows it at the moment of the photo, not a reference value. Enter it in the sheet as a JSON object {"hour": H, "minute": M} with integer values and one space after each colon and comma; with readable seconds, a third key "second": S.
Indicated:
{"hour": 2, "minute": 29}
